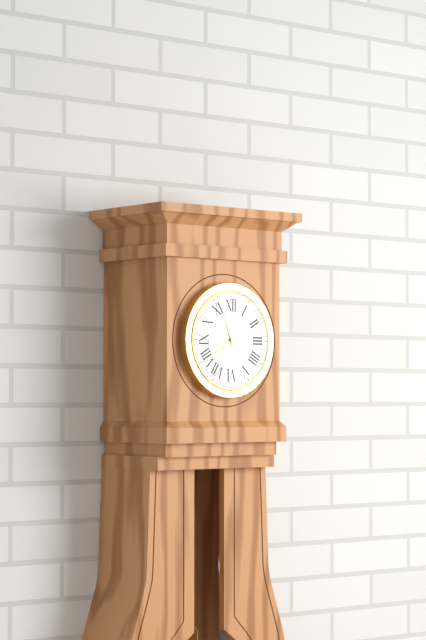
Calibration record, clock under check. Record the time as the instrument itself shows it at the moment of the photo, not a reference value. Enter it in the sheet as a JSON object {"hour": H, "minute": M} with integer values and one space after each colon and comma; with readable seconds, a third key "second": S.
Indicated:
{"hour": 7, "minute": 57}
